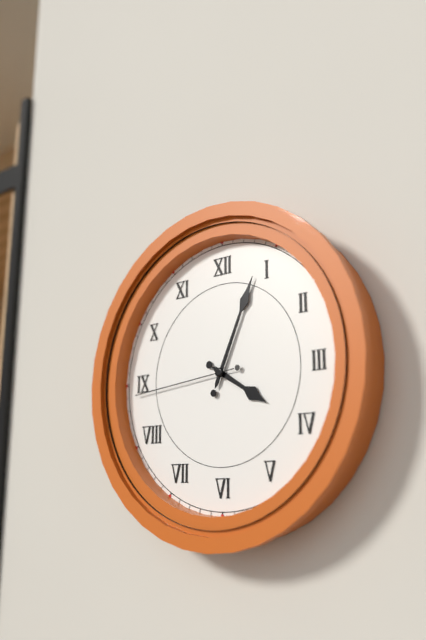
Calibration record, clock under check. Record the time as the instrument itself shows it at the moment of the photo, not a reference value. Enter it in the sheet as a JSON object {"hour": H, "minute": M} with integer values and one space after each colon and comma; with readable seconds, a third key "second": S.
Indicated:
{"hour": 4, "minute": 4, "second": 44}
